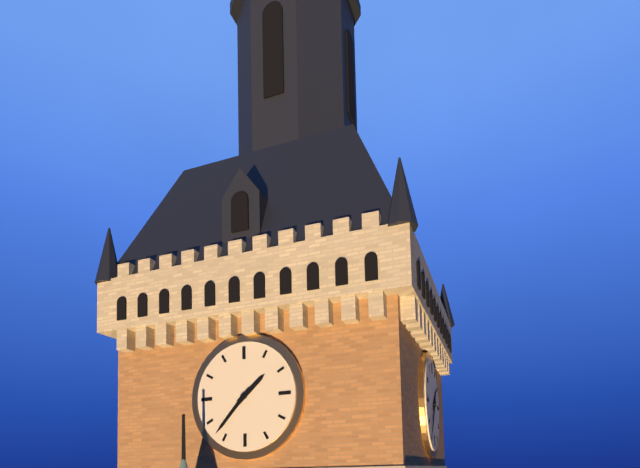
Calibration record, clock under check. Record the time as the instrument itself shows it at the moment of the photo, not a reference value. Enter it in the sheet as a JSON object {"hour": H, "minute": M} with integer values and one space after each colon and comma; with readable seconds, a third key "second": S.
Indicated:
{"hour": 1, "minute": 37}
